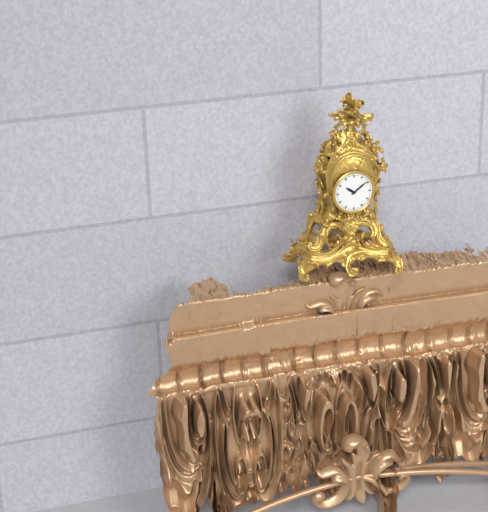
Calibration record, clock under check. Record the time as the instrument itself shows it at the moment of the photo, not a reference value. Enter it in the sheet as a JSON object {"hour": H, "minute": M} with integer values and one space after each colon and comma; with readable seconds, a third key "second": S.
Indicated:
{"hour": 10, "minute": 9}
